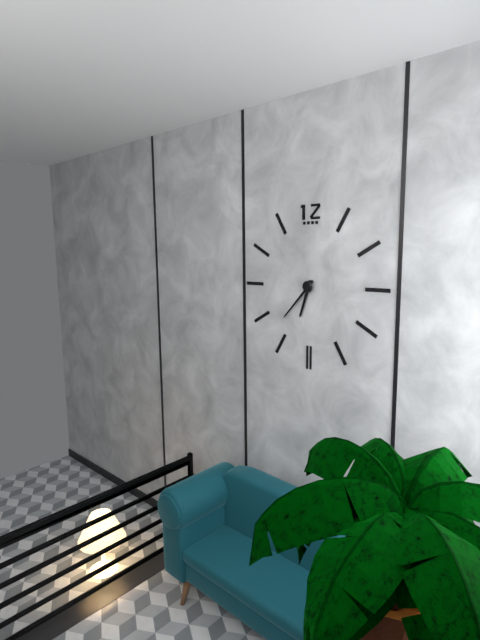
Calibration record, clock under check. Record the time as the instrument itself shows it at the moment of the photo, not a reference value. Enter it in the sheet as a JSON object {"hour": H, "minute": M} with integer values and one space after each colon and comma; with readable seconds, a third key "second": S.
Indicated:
{"hour": 6, "minute": 37}
